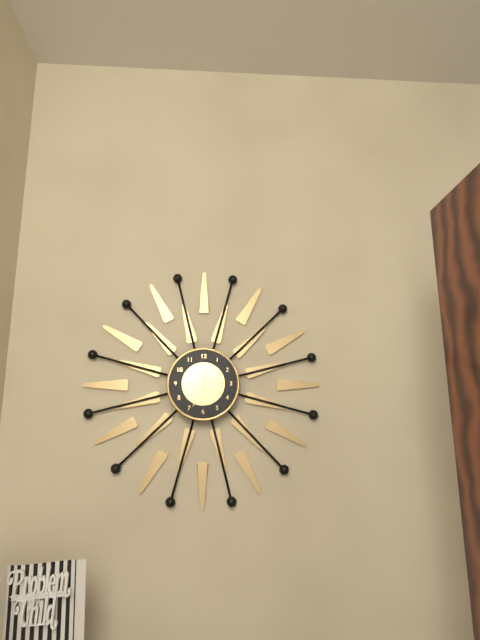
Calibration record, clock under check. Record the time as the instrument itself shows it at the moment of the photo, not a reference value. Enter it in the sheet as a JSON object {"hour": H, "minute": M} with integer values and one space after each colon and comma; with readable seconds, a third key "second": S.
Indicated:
{"hour": 5, "minute": 34}
